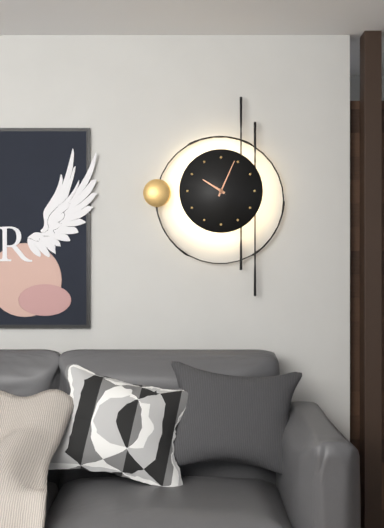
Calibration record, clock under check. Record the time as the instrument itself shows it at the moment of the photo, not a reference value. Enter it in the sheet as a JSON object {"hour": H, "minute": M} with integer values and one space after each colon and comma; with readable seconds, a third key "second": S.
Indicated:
{"hour": 10, "minute": 4}
